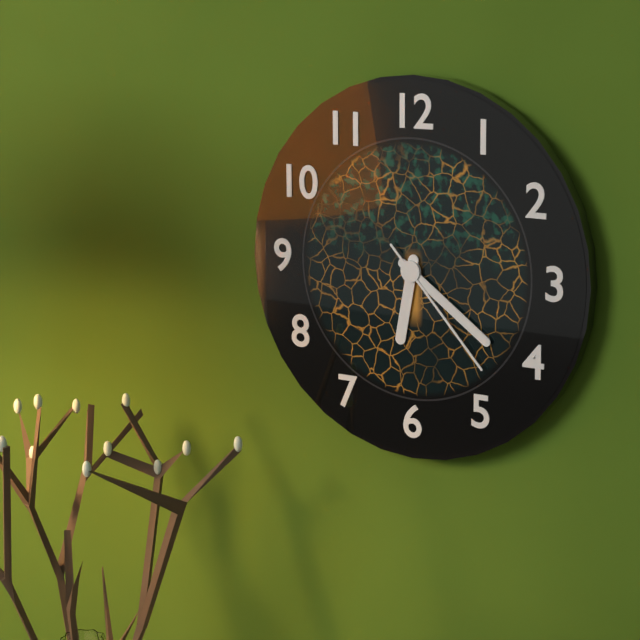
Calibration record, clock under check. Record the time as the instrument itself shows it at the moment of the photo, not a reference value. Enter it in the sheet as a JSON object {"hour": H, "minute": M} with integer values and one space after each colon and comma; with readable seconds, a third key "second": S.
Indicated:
{"hour": 6, "minute": 21, "second": 23}
